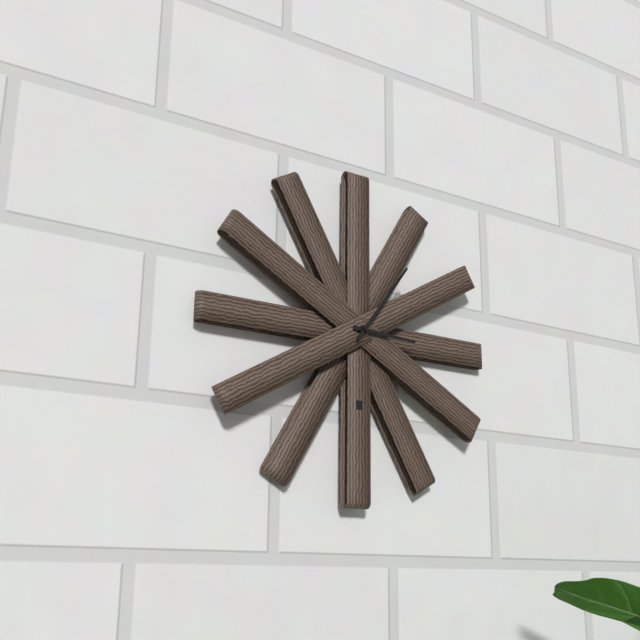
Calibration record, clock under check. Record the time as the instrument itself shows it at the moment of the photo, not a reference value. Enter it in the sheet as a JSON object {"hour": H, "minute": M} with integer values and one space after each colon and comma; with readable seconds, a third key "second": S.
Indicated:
{"hour": 3, "minute": 6}
